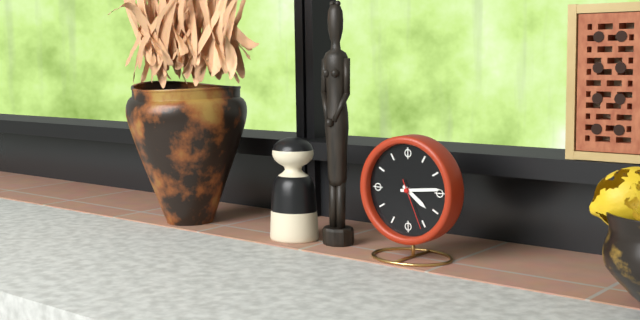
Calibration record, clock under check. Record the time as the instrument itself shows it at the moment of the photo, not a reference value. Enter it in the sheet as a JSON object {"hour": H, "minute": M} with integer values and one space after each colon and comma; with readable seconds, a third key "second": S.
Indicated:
{"hour": 4, "minute": 14, "second": 26}
